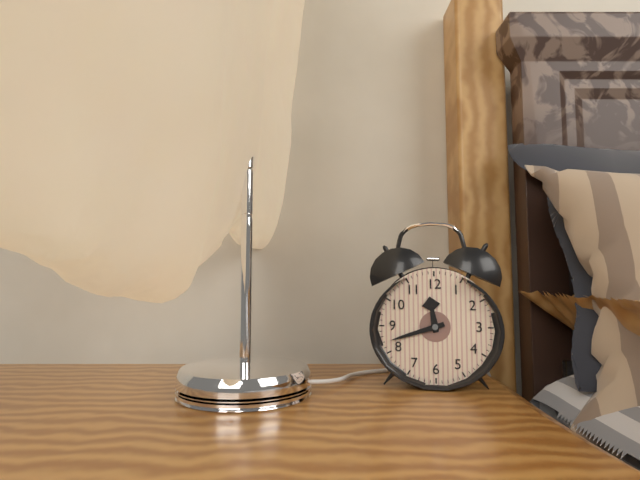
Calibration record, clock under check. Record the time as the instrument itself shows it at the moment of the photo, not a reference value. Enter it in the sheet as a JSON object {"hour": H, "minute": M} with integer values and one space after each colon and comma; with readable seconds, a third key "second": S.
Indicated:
{"hour": 11, "minute": 42}
